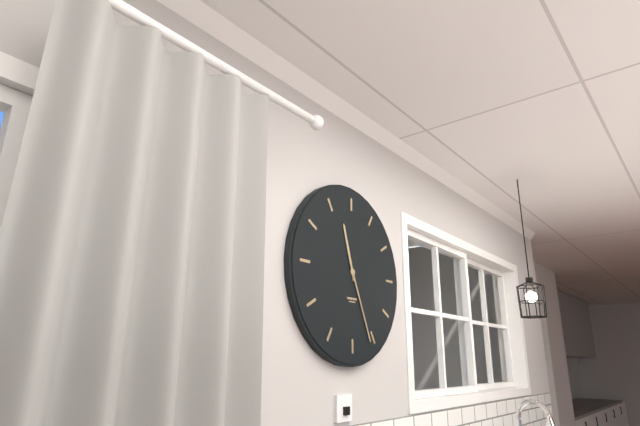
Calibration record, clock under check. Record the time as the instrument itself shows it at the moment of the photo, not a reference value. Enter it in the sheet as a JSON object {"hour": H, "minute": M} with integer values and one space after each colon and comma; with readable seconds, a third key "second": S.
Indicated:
{"hour": 11, "minute": 26}
